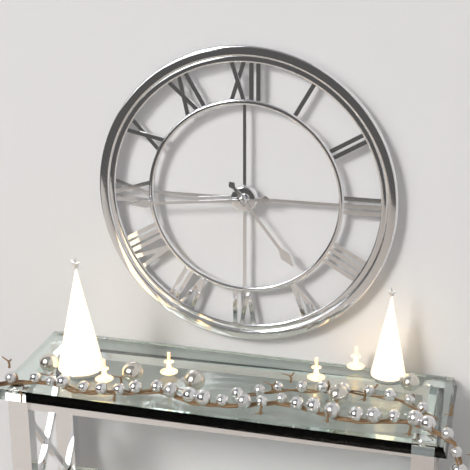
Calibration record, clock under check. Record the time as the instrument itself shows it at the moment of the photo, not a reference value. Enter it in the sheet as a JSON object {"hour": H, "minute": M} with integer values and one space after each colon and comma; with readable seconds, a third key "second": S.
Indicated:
{"hour": 4, "minute": 44}
